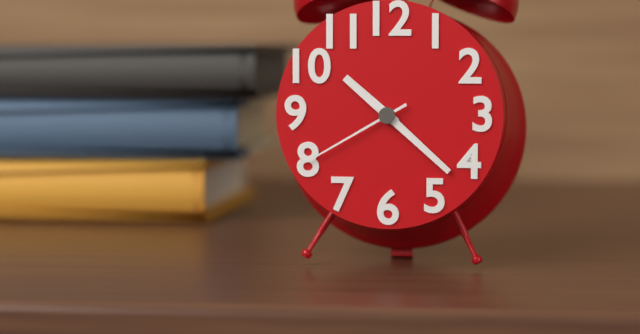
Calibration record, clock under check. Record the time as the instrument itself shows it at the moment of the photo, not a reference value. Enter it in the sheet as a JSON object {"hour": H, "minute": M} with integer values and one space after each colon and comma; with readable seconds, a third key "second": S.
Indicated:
{"hour": 10, "minute": 22, "second": 40}
